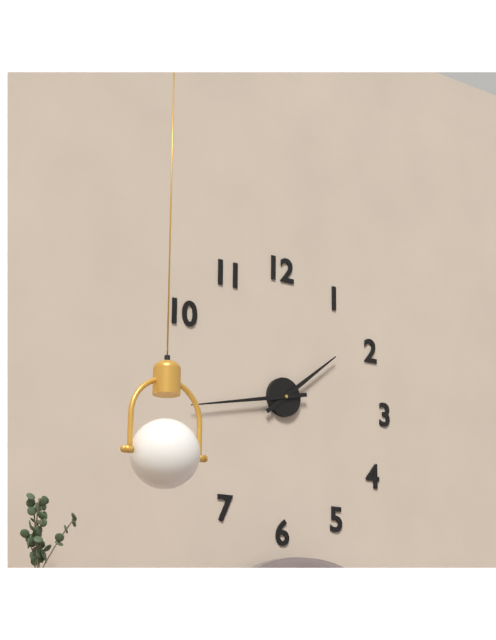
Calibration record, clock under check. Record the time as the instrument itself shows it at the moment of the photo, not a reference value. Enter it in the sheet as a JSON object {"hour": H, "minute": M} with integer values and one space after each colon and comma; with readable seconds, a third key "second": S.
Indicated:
{"hour": 1, "minute": 43}
